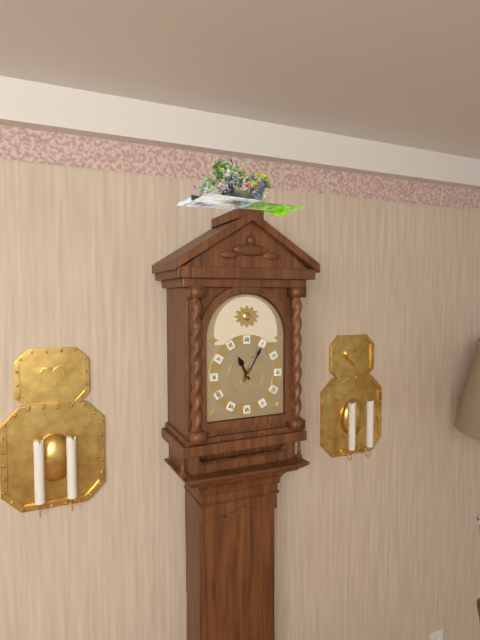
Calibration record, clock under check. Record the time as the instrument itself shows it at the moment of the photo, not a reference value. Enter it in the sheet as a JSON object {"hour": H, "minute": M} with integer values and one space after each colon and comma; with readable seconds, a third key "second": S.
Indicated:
{"hour": 11, "minute": 5}
